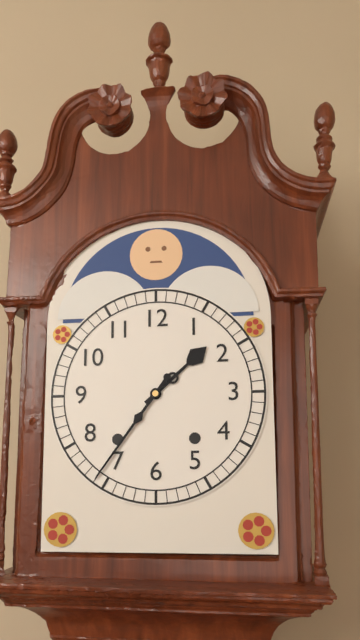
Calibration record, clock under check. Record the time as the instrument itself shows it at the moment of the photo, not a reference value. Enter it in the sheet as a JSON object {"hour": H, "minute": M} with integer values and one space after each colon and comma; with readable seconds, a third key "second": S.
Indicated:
{"hour": 1, "minute": 36}
